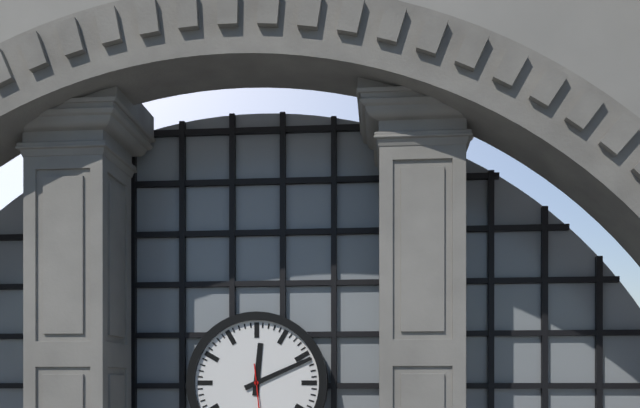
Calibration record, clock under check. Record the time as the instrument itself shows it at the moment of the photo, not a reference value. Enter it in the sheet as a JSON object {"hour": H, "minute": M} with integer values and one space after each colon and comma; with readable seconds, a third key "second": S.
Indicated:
{"hour": 12, "minute": 11}
